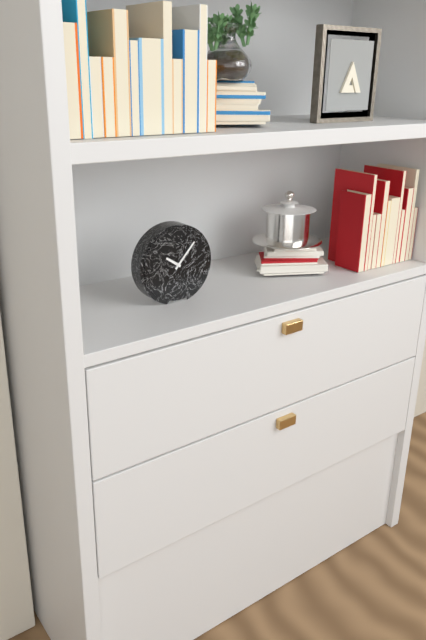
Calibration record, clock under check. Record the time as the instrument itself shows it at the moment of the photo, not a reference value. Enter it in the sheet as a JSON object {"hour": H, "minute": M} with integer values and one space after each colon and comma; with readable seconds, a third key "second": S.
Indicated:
{"hour": 10, "minute": 7}
